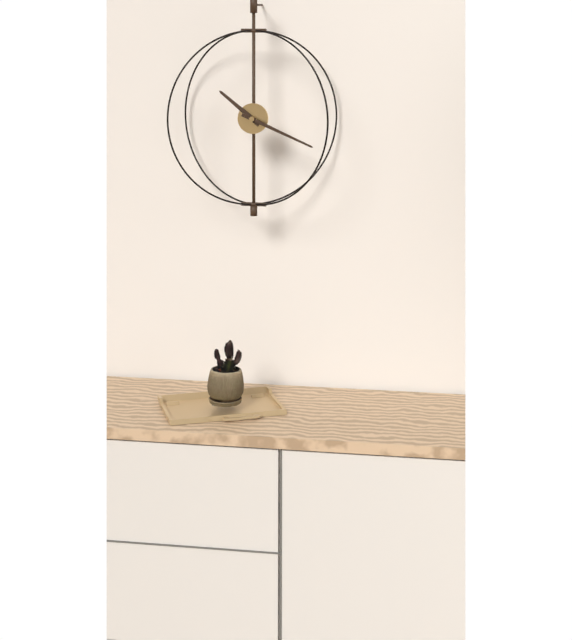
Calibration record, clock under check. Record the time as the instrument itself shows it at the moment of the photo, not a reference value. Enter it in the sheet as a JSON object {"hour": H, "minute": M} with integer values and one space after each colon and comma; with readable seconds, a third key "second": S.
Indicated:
{"hour": 10, "minute": 19}
